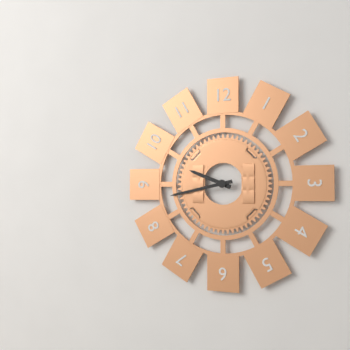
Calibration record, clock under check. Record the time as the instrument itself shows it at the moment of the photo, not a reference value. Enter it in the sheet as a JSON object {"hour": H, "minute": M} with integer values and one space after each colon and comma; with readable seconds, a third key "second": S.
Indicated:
{"hour": 9, "minute": 43}
